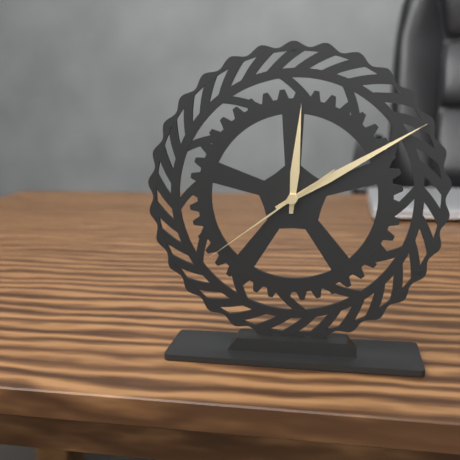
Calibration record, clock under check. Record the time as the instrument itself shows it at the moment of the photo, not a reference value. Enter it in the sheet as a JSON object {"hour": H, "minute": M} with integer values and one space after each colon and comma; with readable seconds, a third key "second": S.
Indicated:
{"hour": 12, "minute": 10, "second": 39}
